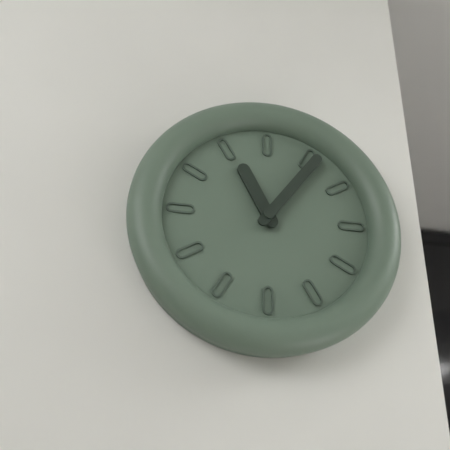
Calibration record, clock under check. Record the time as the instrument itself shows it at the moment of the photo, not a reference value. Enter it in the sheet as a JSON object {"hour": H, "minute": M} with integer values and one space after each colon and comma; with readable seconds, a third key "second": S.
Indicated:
{"hour": 11, "minute": 6}
